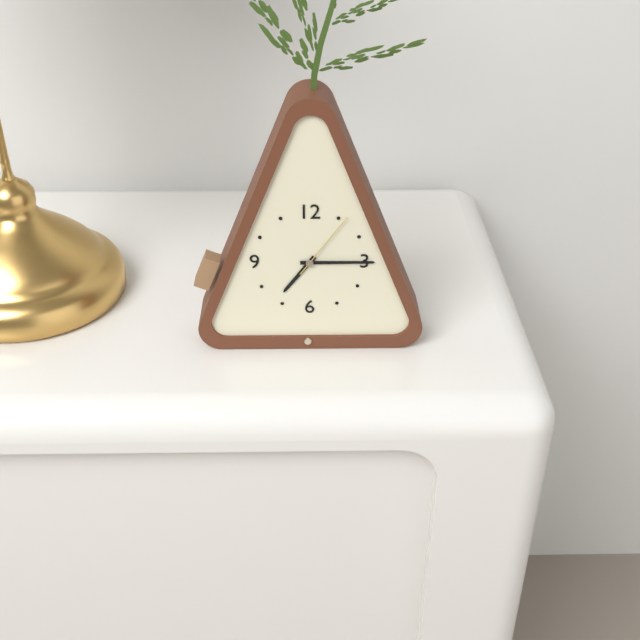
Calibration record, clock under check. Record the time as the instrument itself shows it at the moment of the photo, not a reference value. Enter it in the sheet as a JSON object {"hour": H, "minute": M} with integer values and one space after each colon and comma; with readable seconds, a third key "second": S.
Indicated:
{"hour": 7, "minute": 15, "second": 6}
